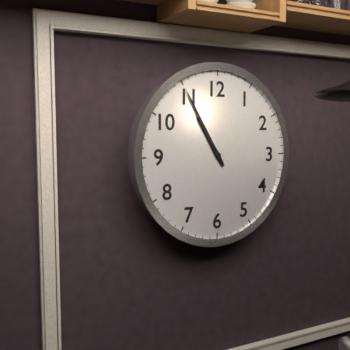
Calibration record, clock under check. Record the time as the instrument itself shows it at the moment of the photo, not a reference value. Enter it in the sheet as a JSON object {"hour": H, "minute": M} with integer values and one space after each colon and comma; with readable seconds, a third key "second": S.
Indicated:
{"hour": 10, "minute": 55}
